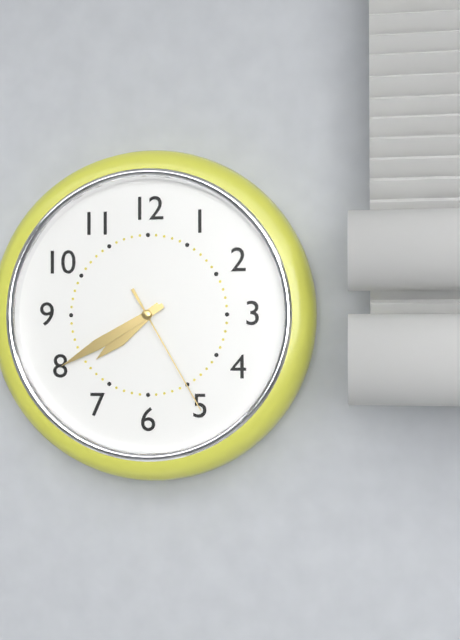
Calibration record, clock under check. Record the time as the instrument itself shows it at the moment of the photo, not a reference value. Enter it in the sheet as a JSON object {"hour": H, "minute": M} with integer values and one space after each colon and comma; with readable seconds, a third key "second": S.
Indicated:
{"hour": 7, "minute": 40, "second": 25}
